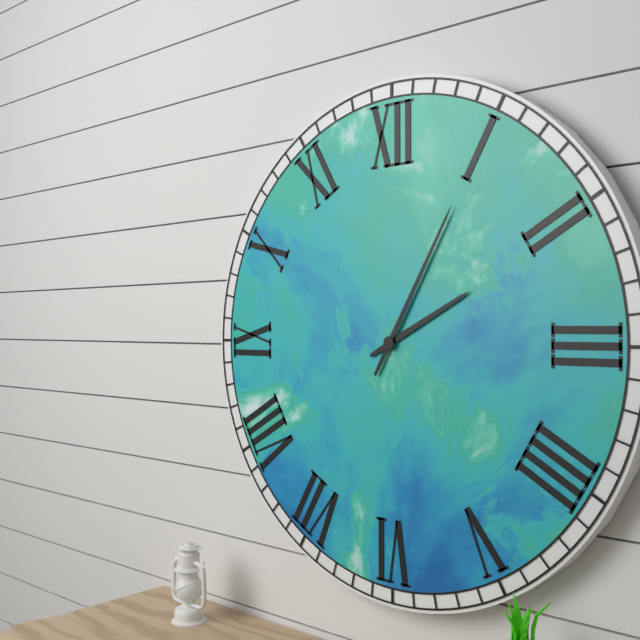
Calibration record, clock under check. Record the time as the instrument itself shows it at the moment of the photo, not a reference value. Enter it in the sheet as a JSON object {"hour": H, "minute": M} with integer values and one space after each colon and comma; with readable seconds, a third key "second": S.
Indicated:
{"hour": 2, "minute": 5}
